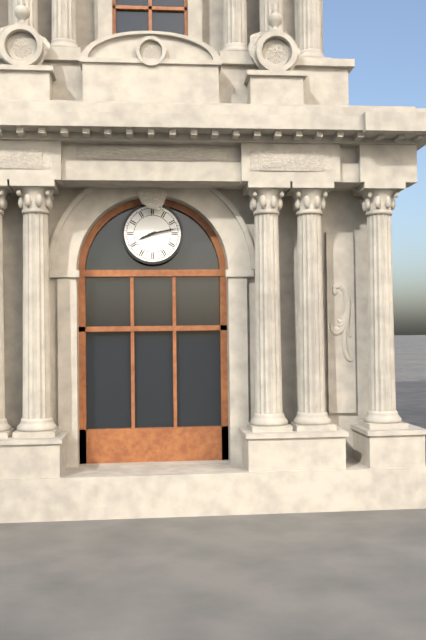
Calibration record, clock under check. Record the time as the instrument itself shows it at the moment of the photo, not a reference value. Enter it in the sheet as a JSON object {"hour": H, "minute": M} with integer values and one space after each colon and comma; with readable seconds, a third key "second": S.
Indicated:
{"hour": 8, "minute": 13}
